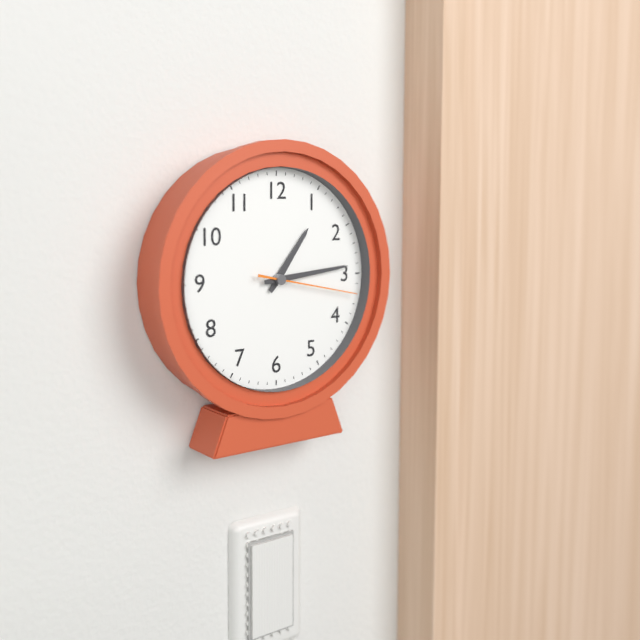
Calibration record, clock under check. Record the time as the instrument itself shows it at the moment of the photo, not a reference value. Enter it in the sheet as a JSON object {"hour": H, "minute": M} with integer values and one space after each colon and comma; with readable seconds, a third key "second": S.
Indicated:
{"hour": 1, "minute": 14, "second": 17}
